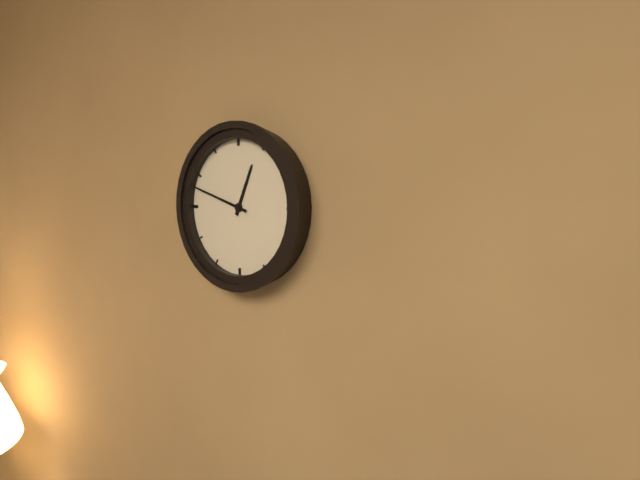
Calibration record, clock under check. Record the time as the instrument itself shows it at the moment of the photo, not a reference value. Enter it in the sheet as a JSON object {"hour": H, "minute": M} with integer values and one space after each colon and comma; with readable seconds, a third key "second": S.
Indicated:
{"hour": 12, "minute": 48}
